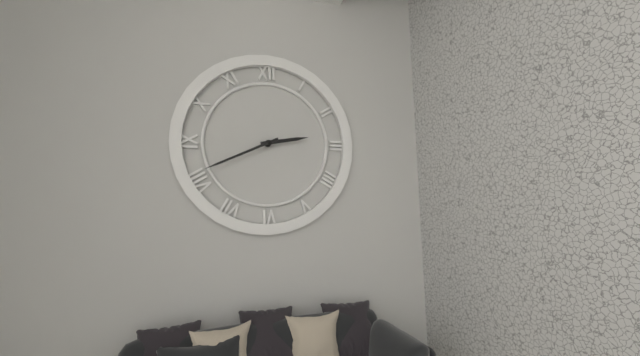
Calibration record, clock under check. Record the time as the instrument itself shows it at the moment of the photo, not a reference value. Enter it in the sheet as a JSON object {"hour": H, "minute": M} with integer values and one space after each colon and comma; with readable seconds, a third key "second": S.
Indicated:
{"hour": 2, "minute": 41}
